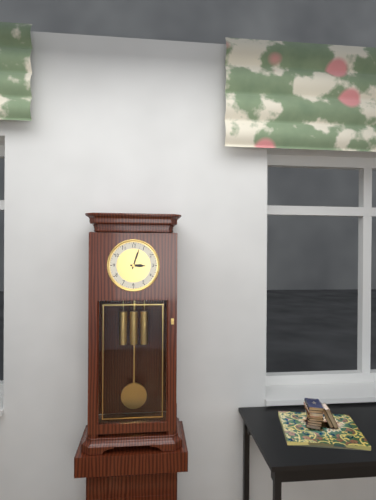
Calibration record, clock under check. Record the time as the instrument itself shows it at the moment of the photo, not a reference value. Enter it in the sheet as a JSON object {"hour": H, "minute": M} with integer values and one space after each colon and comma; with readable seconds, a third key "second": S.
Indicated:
{"hour": 3, "minute": 3}
